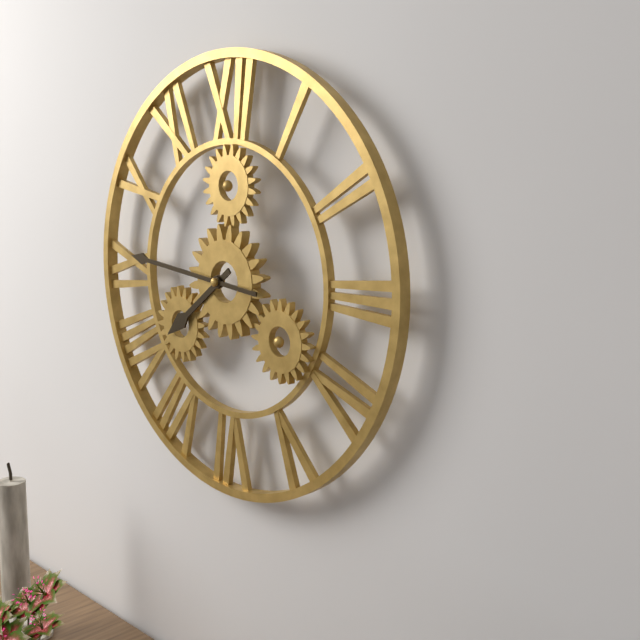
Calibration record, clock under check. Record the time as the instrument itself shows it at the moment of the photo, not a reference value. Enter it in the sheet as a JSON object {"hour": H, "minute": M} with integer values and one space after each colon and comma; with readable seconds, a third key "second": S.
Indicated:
{"hour": 7, "minute": 46}
